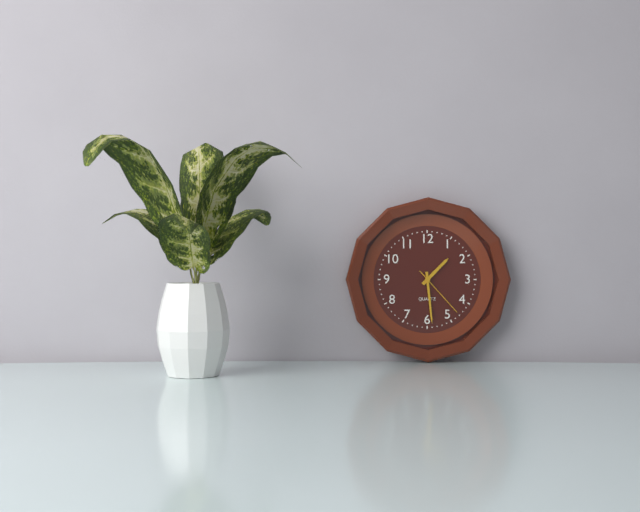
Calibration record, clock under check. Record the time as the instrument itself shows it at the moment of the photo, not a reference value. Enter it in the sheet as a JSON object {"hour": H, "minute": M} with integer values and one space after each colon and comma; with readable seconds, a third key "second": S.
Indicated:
{"hour": 1, "minute": 29, "second": 23}
